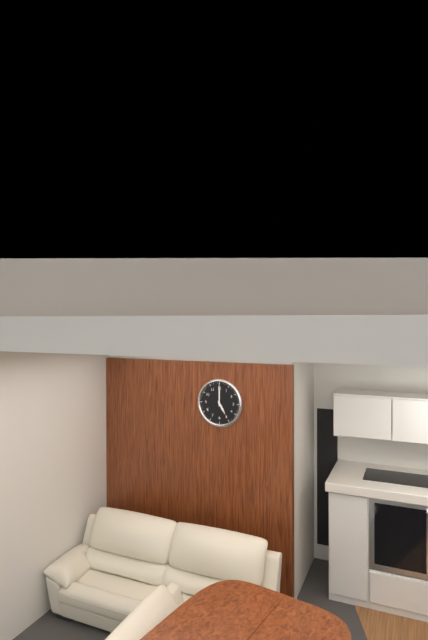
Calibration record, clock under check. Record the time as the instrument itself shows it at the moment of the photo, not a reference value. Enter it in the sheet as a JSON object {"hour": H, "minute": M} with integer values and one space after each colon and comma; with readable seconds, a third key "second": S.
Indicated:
{"hour": 5, "minute": 0}
